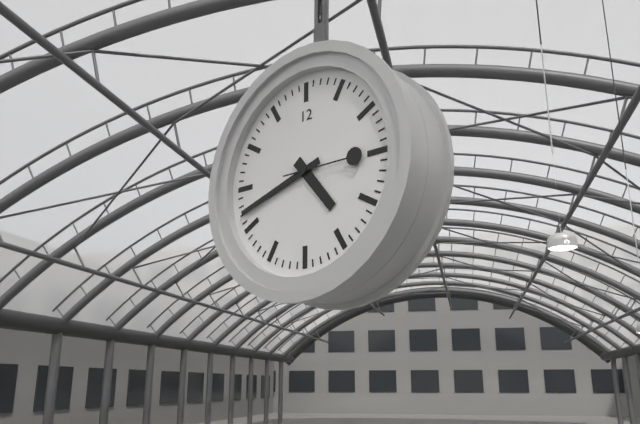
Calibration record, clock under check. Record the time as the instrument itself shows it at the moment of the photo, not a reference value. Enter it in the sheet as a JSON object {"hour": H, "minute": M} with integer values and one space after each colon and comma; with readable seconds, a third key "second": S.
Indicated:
{"hour": 4, "minute": 42, "second": 15}
